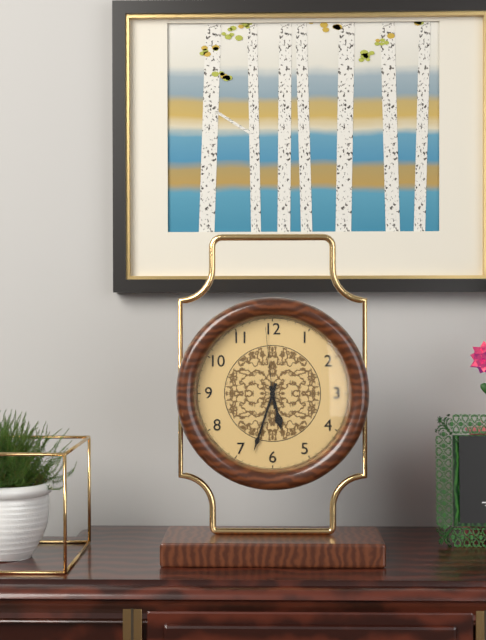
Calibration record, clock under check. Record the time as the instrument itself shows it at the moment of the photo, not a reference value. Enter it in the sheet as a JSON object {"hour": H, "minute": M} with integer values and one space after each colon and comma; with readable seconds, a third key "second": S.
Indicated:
{"hour": 5, "minute": 33, "second": 59}
